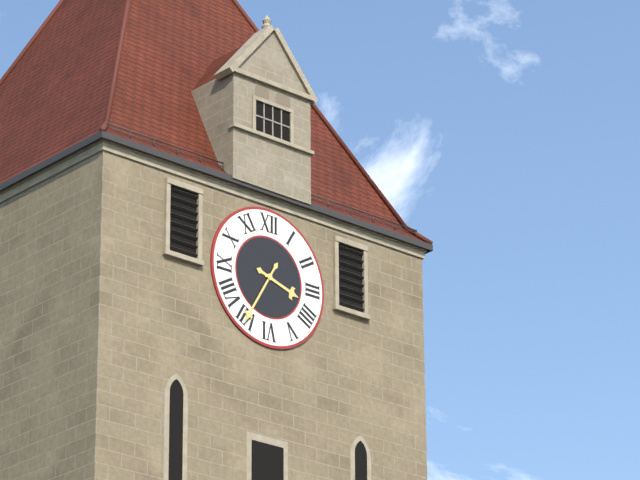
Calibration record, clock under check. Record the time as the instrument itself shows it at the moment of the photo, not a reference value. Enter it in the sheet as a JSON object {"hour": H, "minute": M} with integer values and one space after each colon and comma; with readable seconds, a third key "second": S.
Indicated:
{"hour": 3, "minute": 35}
